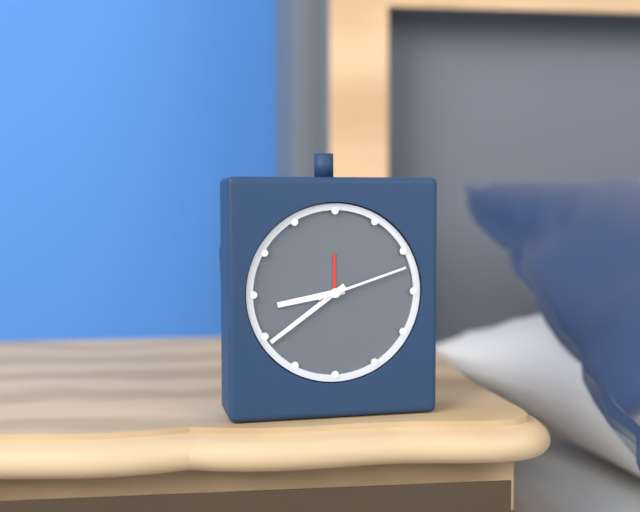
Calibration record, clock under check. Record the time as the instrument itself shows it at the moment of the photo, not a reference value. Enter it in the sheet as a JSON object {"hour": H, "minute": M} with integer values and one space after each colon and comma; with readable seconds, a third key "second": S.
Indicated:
{"hour": 8, "minute": 39, "second": 12}
